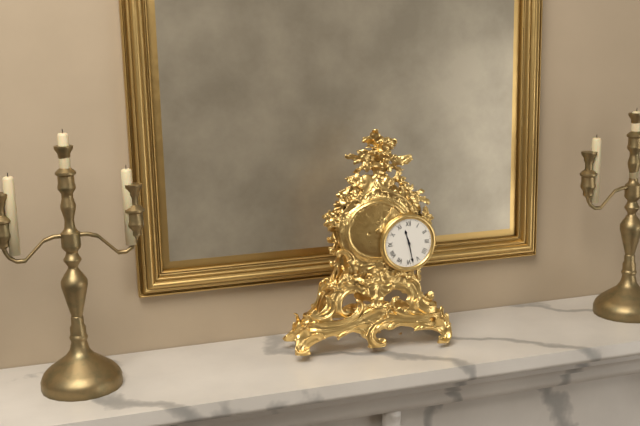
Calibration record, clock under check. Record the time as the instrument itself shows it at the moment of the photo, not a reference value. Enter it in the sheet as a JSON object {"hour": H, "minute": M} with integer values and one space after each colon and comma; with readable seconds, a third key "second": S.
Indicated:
{"hour": 11, "minute": 28}
